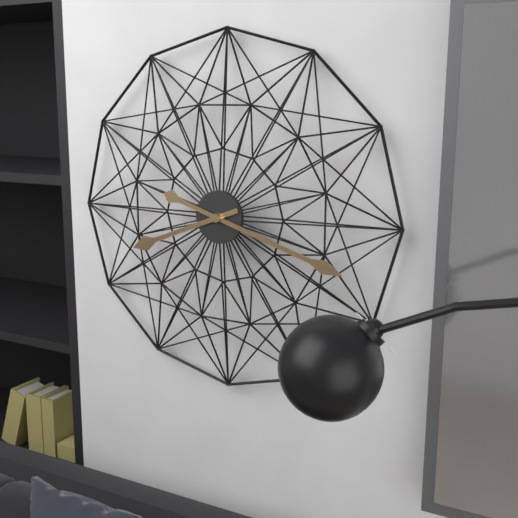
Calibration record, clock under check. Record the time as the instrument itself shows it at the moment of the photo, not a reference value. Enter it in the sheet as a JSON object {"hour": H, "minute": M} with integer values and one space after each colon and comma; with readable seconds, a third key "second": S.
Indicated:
{"hour": 8, "minute": 18}
